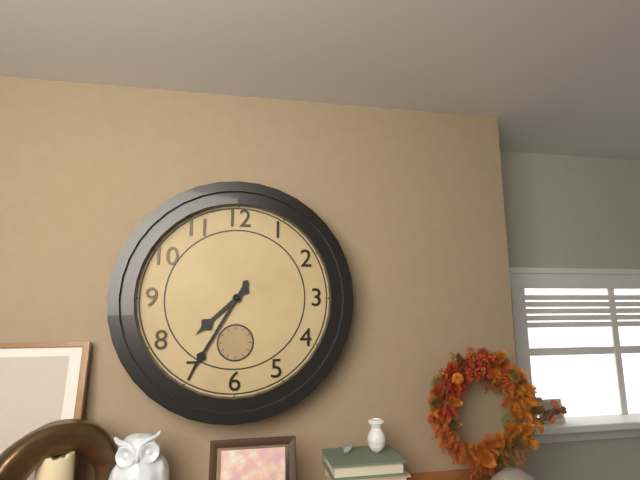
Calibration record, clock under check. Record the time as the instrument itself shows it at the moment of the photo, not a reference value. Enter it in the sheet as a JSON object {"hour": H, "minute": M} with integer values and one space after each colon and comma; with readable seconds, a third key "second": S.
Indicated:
{"hour": 7, "minute": 35}
